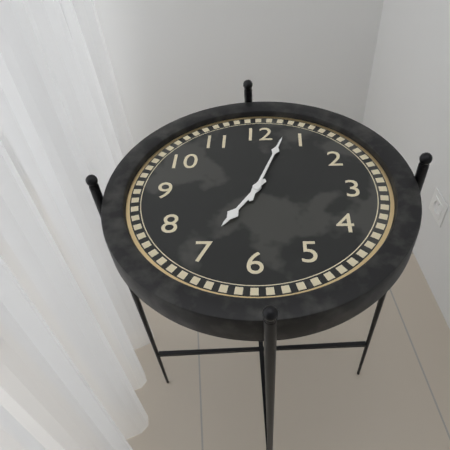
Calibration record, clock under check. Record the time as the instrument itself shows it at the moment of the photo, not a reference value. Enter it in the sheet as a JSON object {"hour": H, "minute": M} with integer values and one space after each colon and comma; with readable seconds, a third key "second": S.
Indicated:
{"hour": 7, "minute": 3}
